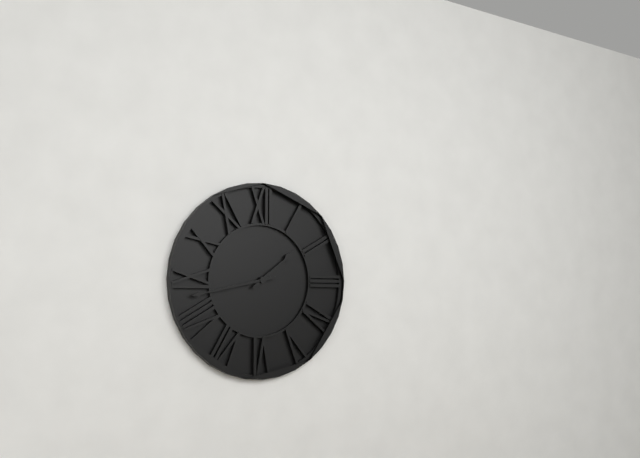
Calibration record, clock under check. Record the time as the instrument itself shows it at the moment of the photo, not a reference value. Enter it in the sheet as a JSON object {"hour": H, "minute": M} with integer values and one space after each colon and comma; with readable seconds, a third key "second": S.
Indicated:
{"hour": 1, "minute": 43}
